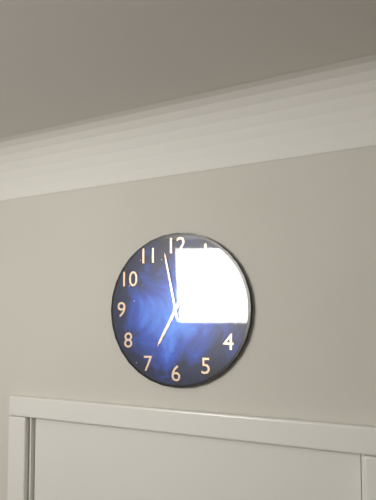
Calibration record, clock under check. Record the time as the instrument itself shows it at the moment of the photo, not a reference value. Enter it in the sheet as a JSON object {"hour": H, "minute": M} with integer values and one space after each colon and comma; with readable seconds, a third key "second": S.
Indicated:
{"hour": 6, "minute": 58}
